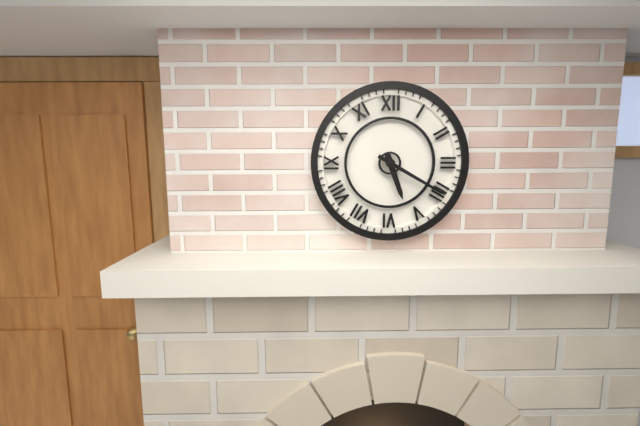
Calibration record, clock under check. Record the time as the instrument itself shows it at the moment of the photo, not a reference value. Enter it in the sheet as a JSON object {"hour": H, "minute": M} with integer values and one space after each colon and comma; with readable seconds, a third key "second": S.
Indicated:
{"hour": 5, "minute": 20}
